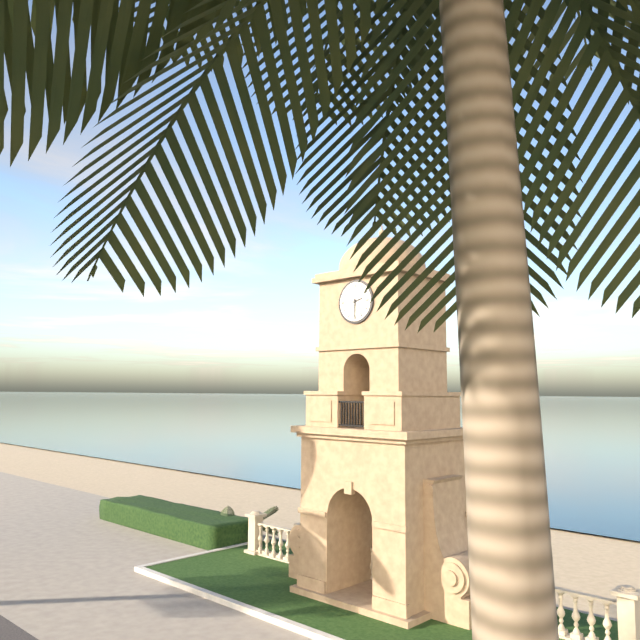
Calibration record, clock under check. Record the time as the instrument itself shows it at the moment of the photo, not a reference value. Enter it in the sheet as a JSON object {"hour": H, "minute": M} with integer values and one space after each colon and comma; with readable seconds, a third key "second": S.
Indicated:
{"hour": 2, "minute": 30}
